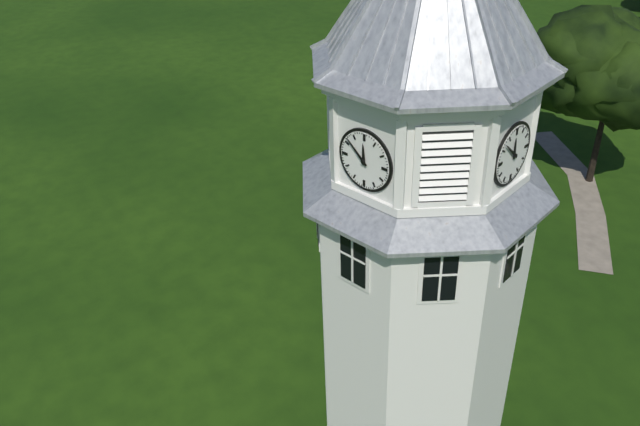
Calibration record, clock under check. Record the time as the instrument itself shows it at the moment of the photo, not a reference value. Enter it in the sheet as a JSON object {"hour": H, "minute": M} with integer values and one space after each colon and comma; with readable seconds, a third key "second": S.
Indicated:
{"hour": 11, "minute": 52}
